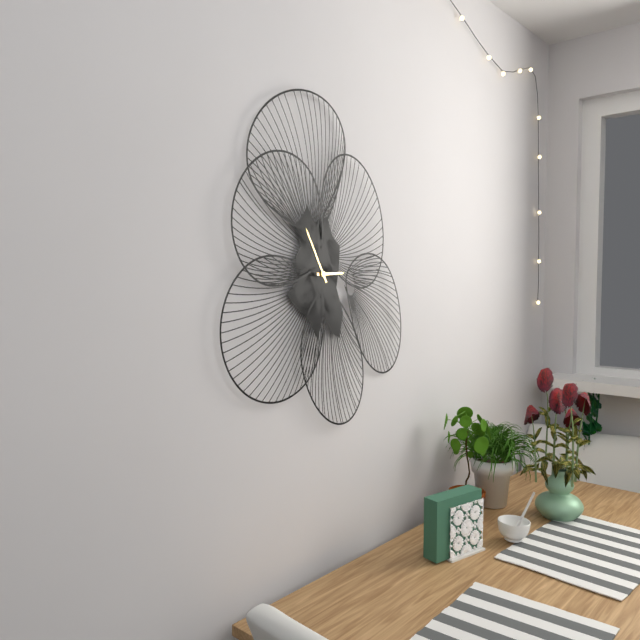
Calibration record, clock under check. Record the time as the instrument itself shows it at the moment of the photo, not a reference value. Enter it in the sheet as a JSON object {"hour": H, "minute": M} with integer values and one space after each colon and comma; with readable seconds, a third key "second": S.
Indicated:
{"hour": 2, "minute": 55}
